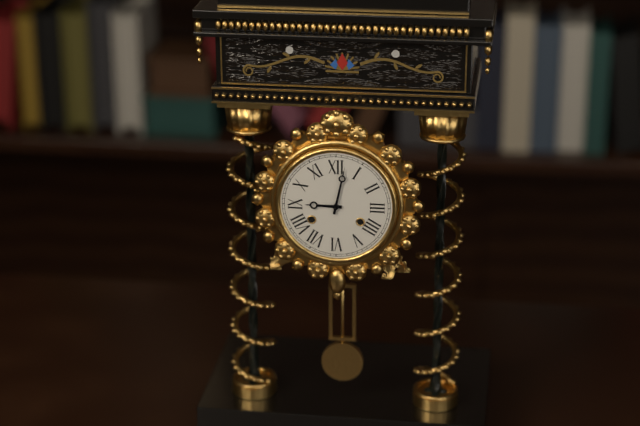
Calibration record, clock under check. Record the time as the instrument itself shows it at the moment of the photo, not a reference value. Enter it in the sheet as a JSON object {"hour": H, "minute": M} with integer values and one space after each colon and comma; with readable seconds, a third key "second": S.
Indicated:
{"hour": 9, "minute": 2}
